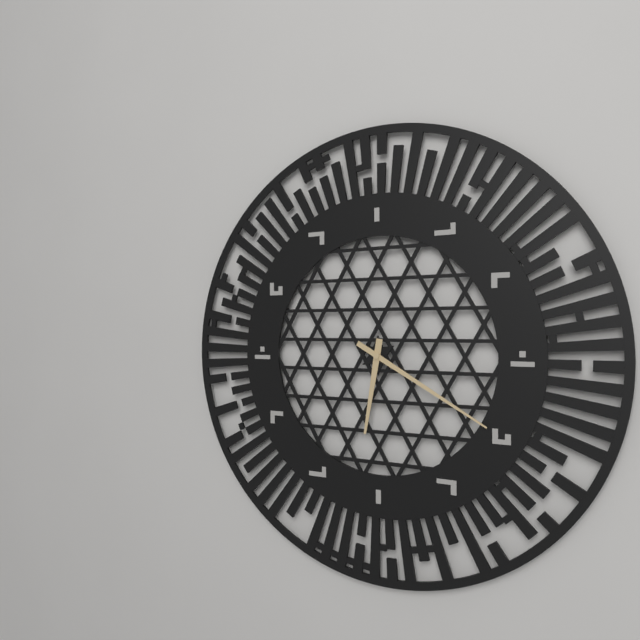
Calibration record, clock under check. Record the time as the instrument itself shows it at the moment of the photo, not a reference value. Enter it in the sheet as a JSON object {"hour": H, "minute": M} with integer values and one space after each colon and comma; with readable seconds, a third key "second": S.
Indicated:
{"hour": 6, "minute": 20}
